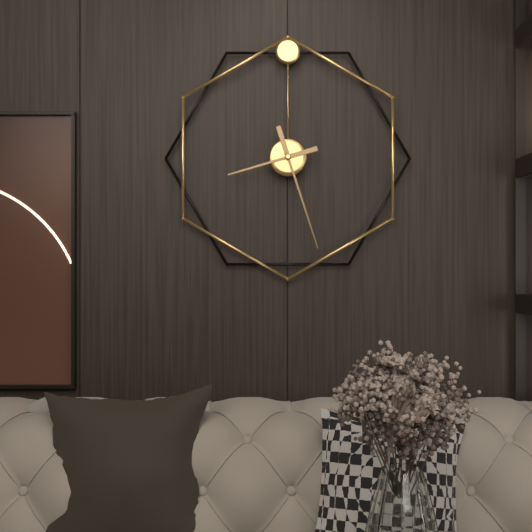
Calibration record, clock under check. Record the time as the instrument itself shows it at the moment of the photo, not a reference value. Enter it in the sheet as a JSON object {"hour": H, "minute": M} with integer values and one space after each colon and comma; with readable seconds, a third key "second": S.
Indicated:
{"hour": 8, "minute": 27}
